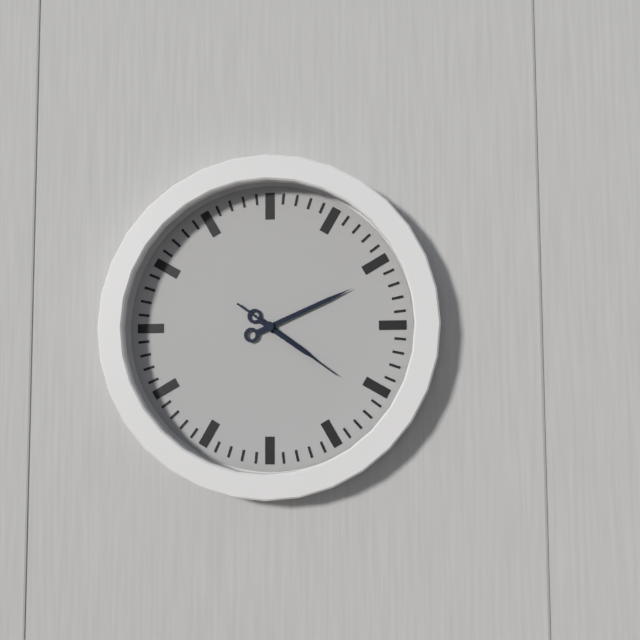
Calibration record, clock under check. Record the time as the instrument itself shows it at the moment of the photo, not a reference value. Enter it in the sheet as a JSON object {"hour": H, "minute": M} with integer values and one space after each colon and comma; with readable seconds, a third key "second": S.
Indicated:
{"hour": 4, "minute": 11, "second": 21}
